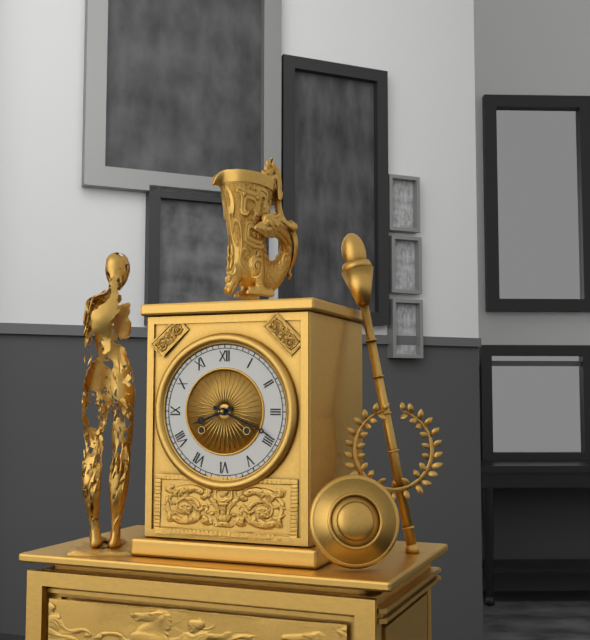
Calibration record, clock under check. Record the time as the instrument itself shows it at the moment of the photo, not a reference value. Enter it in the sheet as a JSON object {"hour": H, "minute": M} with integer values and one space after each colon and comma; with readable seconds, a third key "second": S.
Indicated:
{"hour": 8, "minute": 19}
